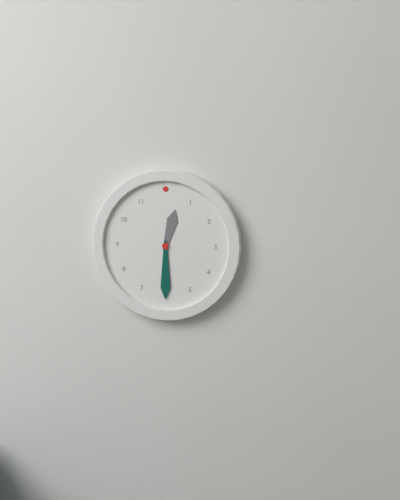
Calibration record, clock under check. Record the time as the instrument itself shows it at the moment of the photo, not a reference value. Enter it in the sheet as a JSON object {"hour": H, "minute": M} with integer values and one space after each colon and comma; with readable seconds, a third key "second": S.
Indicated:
{"hour": 12, "minute": 30}
